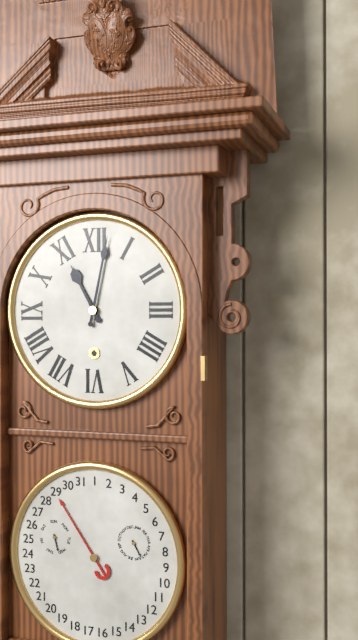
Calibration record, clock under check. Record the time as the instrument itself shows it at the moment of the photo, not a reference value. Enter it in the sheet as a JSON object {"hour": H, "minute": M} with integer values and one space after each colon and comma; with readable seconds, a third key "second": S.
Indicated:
{"hour": 11, "minute": 2}
